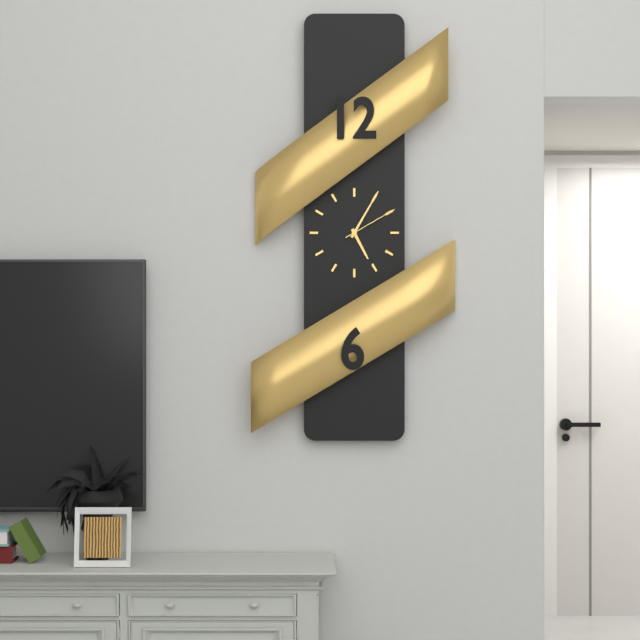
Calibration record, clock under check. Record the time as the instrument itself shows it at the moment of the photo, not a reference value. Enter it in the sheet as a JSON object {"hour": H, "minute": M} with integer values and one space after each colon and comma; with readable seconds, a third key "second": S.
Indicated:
{"hour": 5, "minute": 5, "second": 10}
